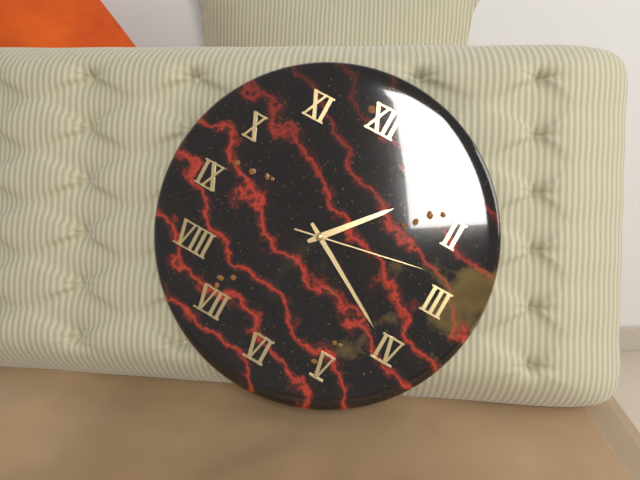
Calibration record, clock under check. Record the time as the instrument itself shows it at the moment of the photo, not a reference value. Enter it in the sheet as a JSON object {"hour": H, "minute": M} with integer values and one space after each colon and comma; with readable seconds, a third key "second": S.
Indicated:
{"hour": 1, "minute": 20, "second": 13}
